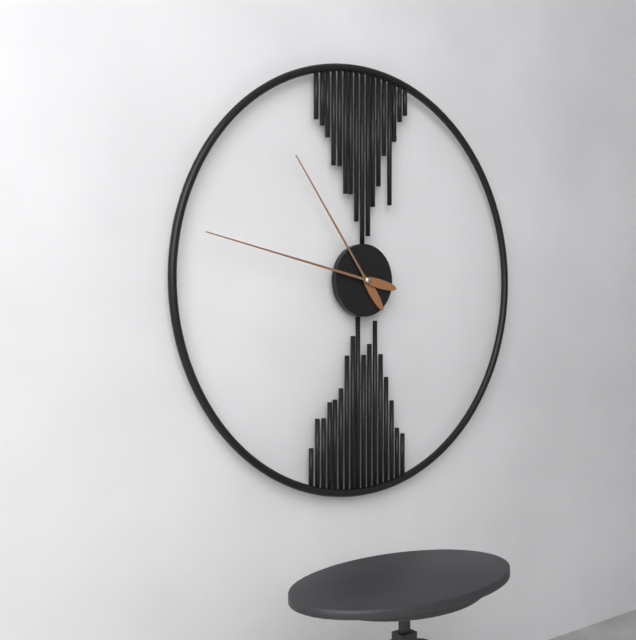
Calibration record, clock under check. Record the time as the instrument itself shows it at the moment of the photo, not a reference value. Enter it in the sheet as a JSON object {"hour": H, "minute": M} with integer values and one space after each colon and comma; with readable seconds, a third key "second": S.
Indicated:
{"hour": 10, "minute": 47}
